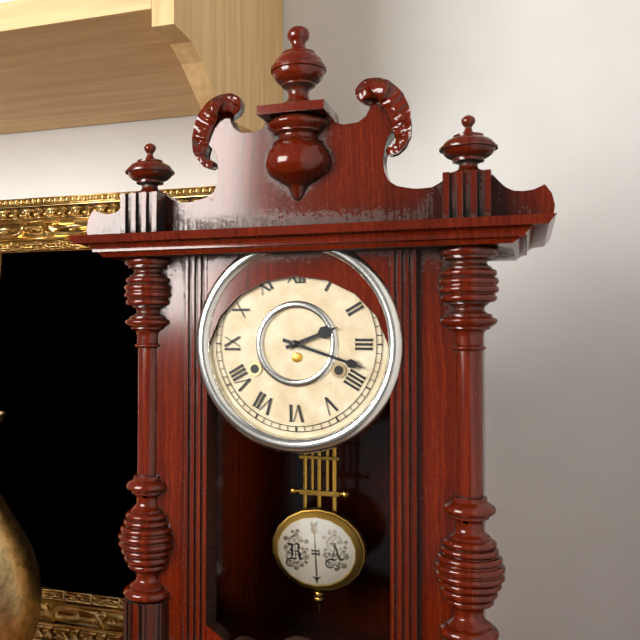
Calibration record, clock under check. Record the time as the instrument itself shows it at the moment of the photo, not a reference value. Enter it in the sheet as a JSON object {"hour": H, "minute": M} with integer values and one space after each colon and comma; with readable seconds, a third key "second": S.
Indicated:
{"hour": 2, "minute": 18}
